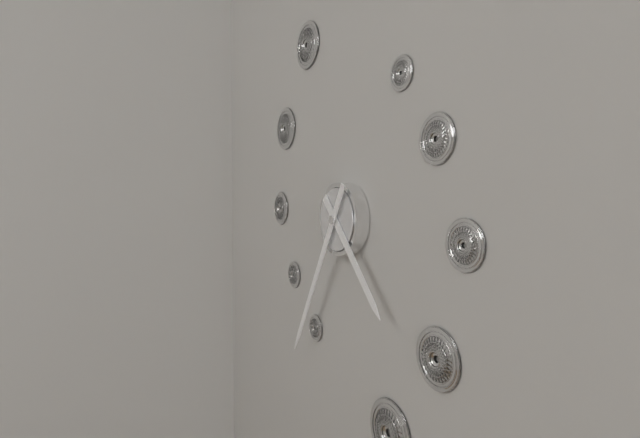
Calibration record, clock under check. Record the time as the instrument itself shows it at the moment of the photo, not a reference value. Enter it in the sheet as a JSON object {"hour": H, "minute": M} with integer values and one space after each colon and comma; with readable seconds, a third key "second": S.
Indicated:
{"hour": 4, "minute": 35}
